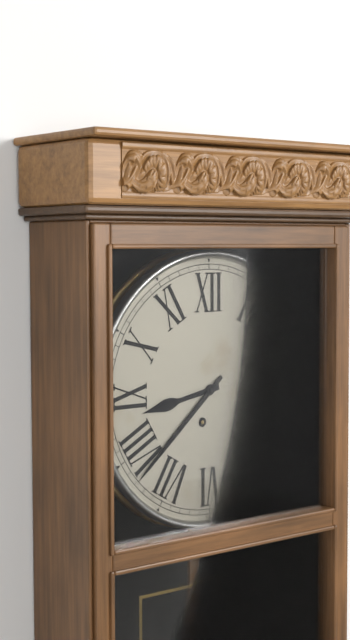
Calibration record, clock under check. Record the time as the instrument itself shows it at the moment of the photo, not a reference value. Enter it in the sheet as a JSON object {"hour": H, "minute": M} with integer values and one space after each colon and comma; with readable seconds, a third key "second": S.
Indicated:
{"hour": 8, "minute": 38}
